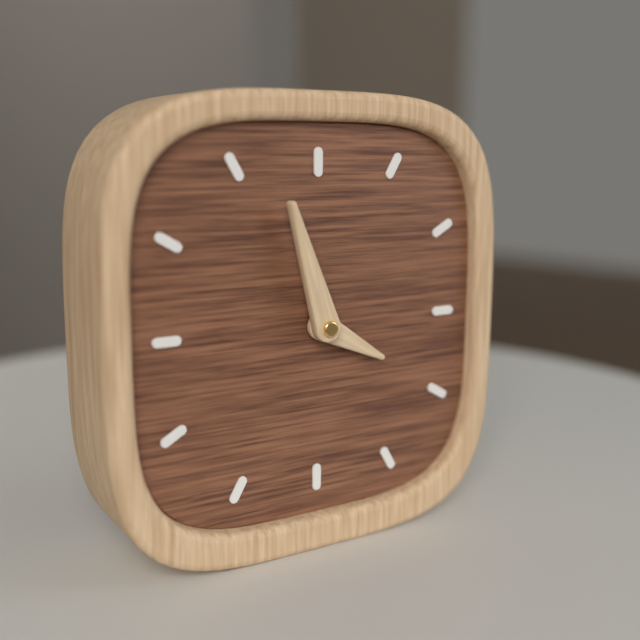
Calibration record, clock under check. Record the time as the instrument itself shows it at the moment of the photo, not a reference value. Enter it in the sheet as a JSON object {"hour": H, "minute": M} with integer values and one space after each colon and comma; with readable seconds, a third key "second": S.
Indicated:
{"hour": 3, "minute": 57}
